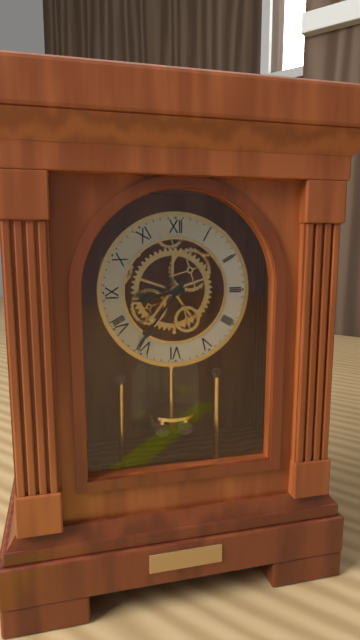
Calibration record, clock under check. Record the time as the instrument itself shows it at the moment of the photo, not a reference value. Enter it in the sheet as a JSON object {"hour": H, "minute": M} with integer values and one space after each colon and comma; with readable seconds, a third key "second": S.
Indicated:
{"hour": 8, "minute": 36}
